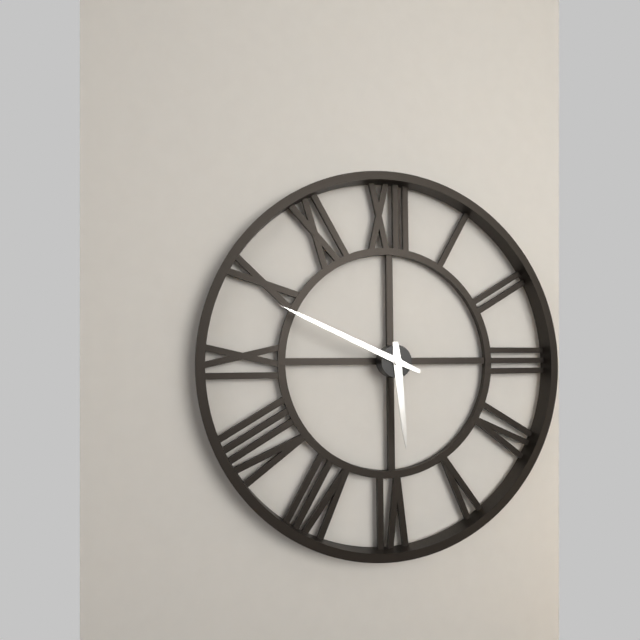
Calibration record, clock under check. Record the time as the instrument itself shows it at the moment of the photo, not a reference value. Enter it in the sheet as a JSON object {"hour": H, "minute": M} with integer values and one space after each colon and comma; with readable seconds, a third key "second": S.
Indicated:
{"hour": 5, "minute": 49}
